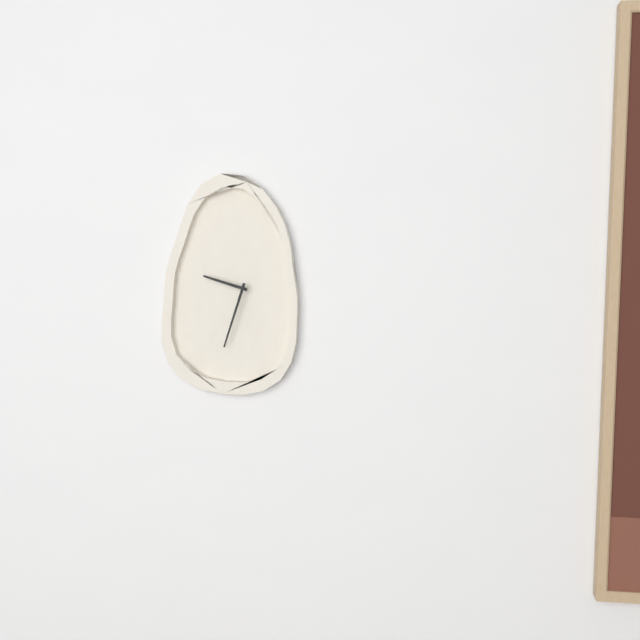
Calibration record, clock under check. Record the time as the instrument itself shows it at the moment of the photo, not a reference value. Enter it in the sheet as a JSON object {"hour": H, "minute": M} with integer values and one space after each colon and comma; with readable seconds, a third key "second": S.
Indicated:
{"hour": 9, "minute": 33}
